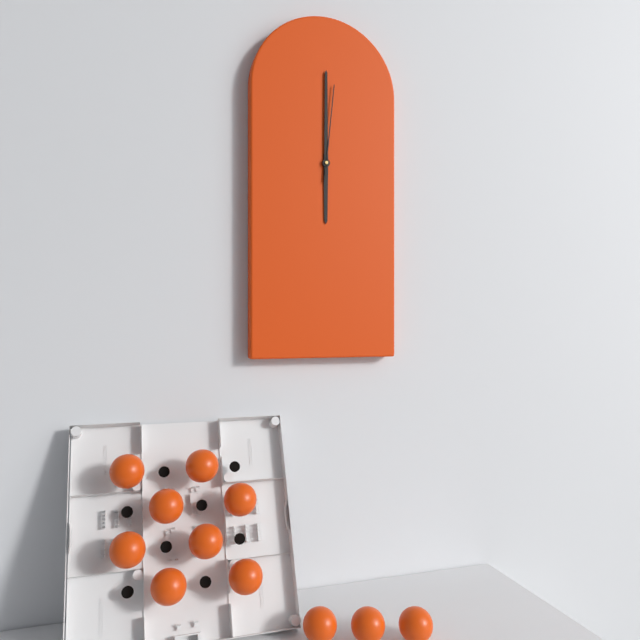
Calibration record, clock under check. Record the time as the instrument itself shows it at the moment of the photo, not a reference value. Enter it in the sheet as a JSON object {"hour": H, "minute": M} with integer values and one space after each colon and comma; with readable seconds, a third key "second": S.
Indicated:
{"hour": 6, "minute": 0, "second": 1}
